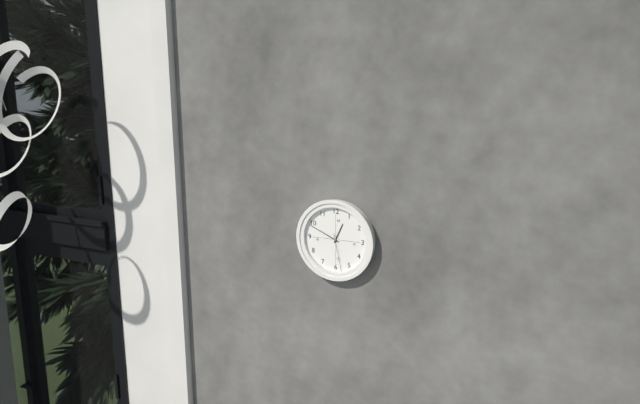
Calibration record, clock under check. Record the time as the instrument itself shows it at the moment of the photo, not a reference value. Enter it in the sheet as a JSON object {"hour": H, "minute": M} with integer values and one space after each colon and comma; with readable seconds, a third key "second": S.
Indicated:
{"hour": 12, "minute": 49}
